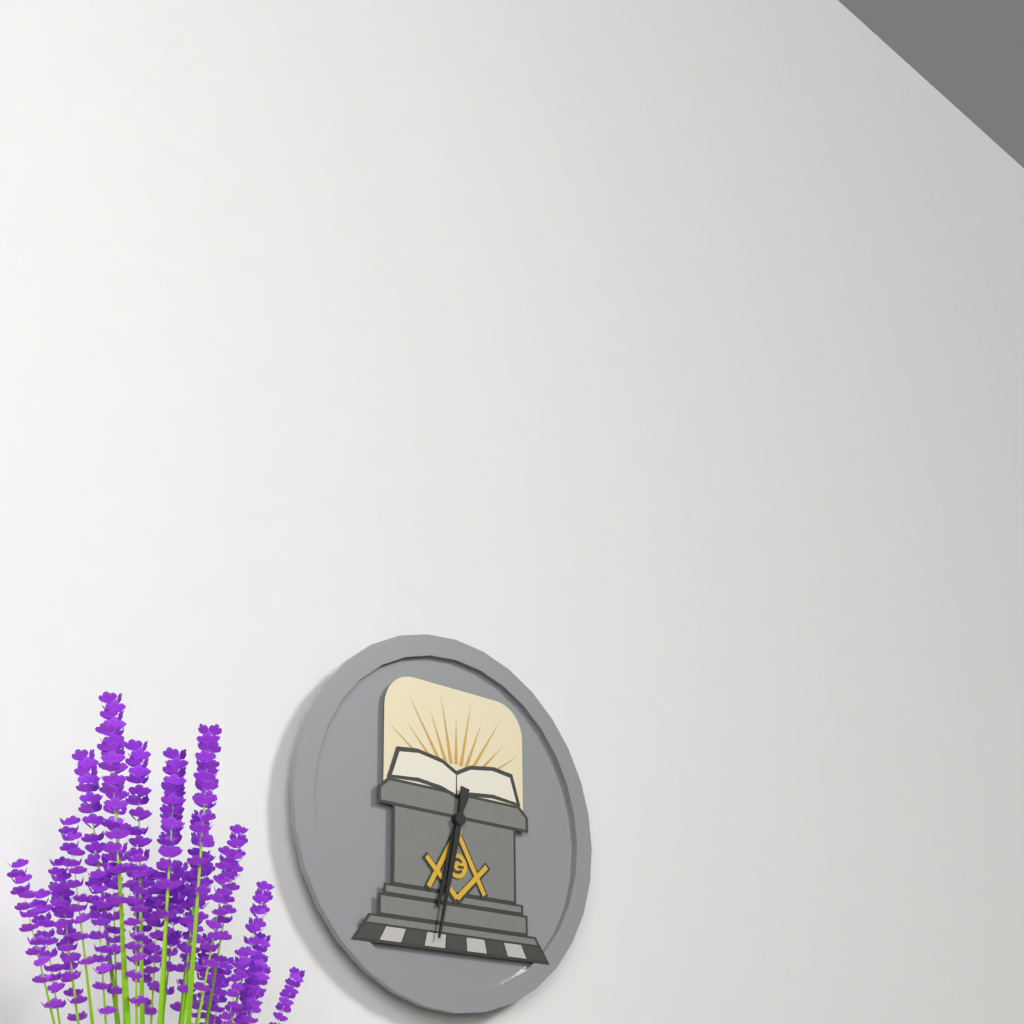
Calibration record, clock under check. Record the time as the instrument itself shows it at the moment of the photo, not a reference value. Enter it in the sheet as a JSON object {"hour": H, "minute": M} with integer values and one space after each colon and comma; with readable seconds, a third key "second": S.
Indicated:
{"hour": 6, "minute": 32}
